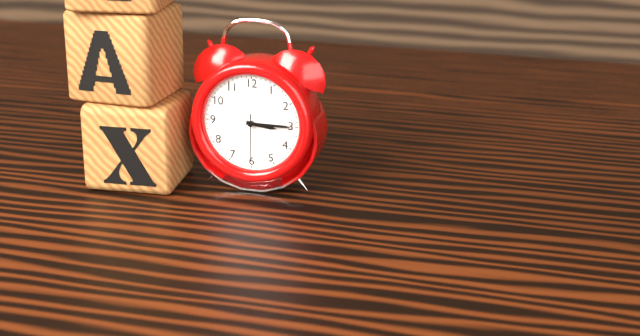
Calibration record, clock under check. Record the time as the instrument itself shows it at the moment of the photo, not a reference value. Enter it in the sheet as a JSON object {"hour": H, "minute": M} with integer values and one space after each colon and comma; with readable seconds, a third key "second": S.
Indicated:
{"hour": 3, "minute": 15}
